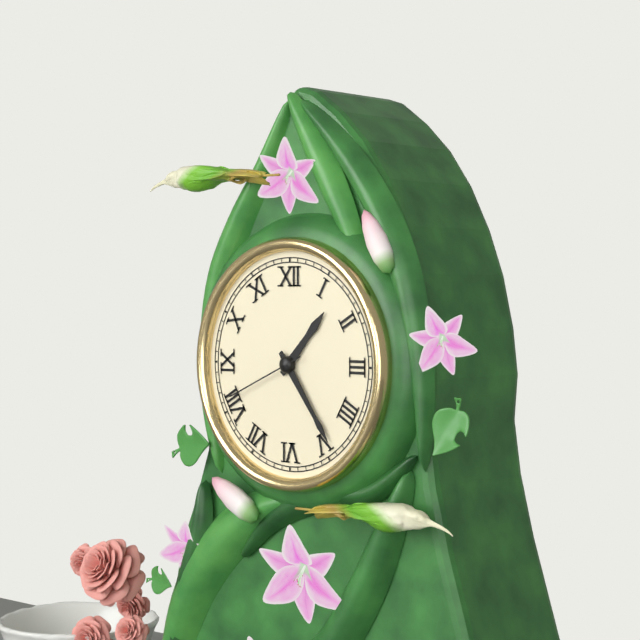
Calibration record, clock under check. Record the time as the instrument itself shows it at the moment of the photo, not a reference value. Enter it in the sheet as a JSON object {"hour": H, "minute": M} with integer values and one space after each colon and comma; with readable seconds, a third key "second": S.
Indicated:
{"hour": 1, "minute": 24, "second": 41}
